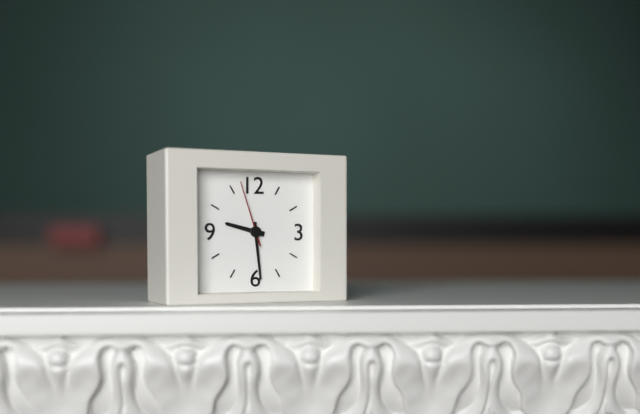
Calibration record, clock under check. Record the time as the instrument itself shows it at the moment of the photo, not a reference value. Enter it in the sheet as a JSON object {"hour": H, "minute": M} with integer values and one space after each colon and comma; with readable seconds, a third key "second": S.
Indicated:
{"hour": 9, "minute": 29, "second": 57}
